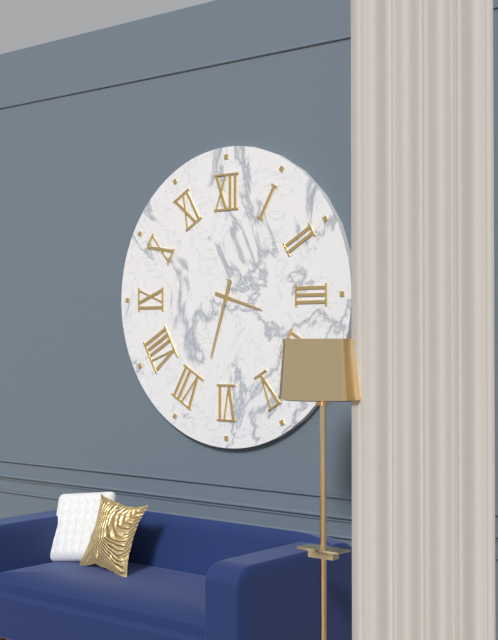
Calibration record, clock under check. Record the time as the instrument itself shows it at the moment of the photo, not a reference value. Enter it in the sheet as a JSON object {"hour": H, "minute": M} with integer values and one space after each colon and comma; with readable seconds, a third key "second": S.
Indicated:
{"hour": 3, "minute": 33}
